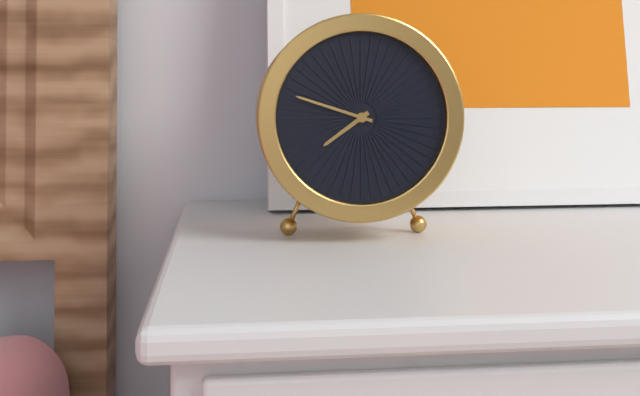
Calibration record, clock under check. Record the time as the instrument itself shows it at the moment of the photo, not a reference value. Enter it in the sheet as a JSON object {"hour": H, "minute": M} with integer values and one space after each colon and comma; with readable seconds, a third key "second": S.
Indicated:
{"hour": 7, "minute": 48}
